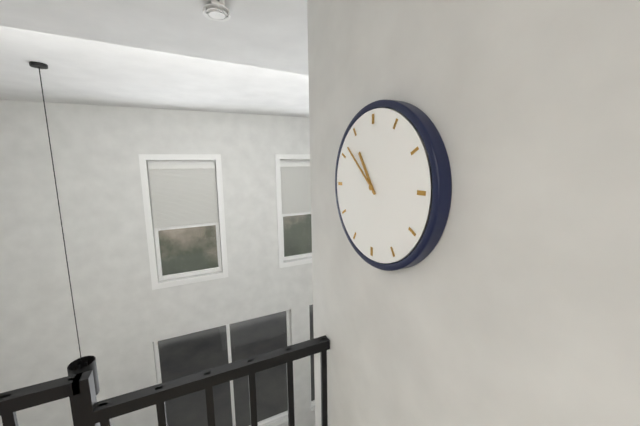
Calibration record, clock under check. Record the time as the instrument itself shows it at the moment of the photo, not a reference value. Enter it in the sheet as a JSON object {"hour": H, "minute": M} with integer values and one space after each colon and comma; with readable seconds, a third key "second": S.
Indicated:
{"hour": 10, "minute": 52}
